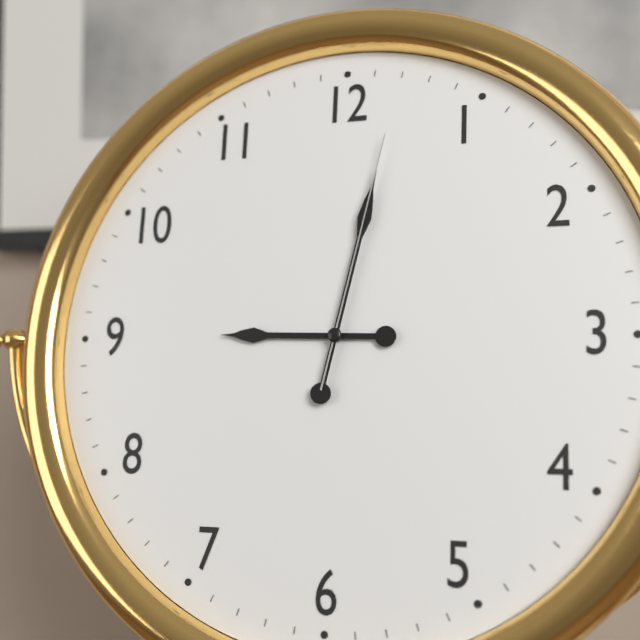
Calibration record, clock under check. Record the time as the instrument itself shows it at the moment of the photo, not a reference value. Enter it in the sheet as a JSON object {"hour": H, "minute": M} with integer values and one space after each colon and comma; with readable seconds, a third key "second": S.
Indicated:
{"hour": 9, "minute": 2, "second": 2}
